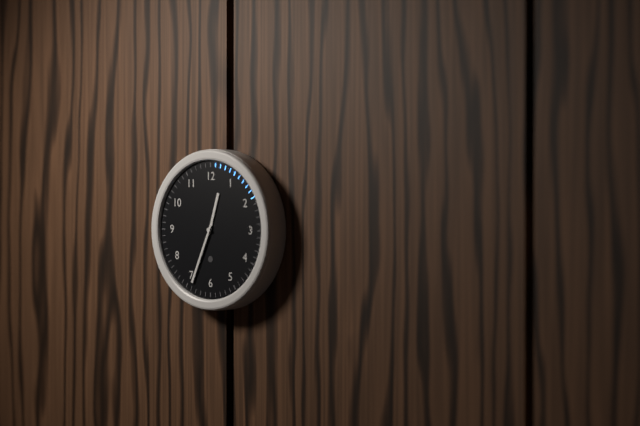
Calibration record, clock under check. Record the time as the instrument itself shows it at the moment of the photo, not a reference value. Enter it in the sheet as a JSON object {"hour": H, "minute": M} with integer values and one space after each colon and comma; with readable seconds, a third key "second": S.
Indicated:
{"hour": 12, "minute": 34}
